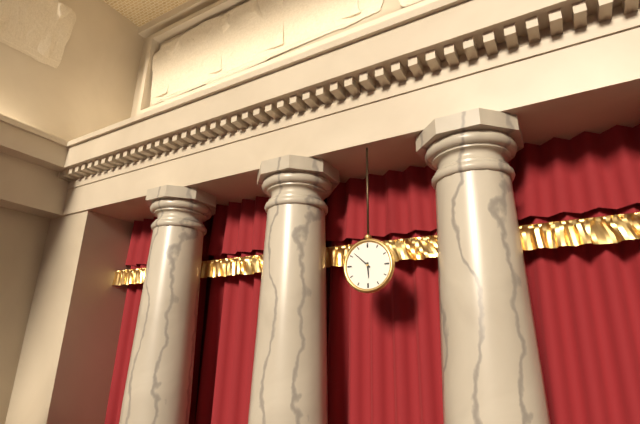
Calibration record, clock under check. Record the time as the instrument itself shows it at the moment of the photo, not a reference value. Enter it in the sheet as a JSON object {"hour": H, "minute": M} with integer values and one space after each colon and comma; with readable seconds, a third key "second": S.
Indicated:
{"hour": 5, "minute": 52}
